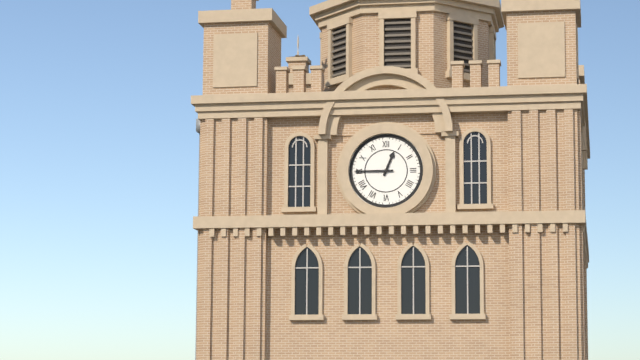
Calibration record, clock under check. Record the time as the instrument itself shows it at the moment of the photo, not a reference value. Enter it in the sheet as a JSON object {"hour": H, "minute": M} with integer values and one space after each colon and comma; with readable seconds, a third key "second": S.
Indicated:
{"hour": 12, "minute": 45}
